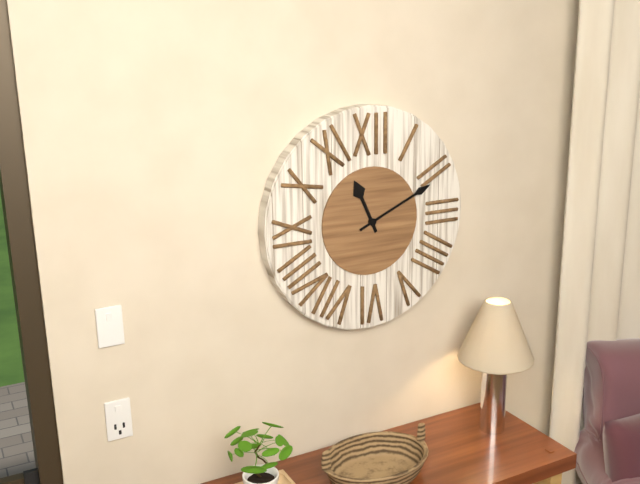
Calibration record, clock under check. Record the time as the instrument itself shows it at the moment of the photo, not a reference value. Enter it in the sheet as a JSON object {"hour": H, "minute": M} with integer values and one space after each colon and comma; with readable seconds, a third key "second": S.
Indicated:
{"hour": 11, "minute": 11}
